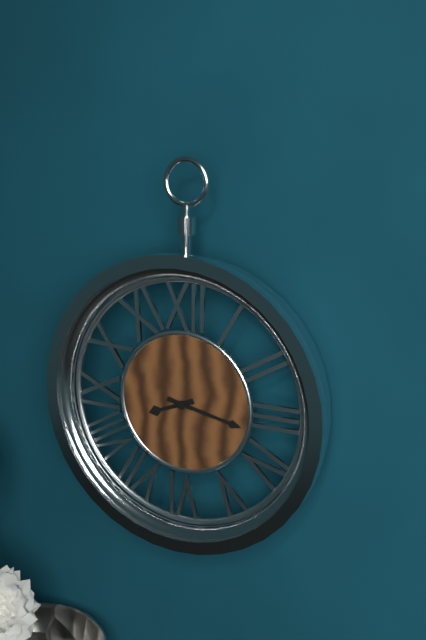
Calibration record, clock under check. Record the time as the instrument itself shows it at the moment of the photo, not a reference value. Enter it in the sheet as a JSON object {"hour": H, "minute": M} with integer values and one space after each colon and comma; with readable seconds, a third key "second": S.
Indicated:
{"hour": 8, "minute": 17}
